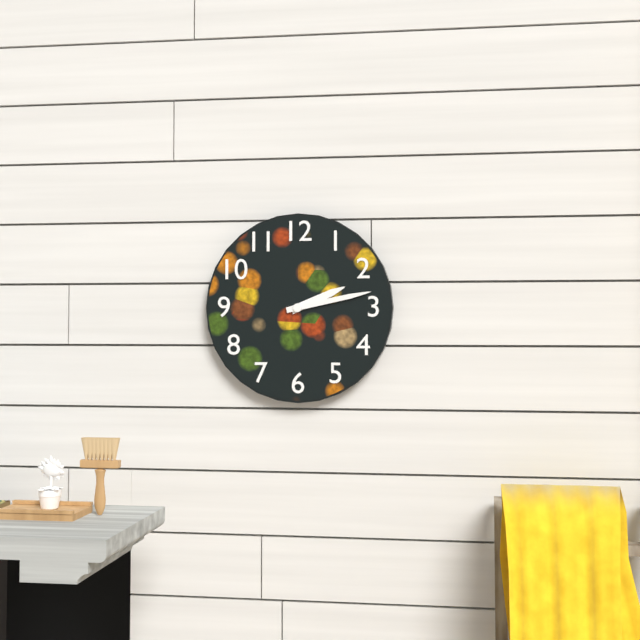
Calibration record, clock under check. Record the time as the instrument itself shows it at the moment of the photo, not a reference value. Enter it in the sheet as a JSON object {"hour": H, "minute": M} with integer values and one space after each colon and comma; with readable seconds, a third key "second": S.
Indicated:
{"hour": 2, "minute": 13}
